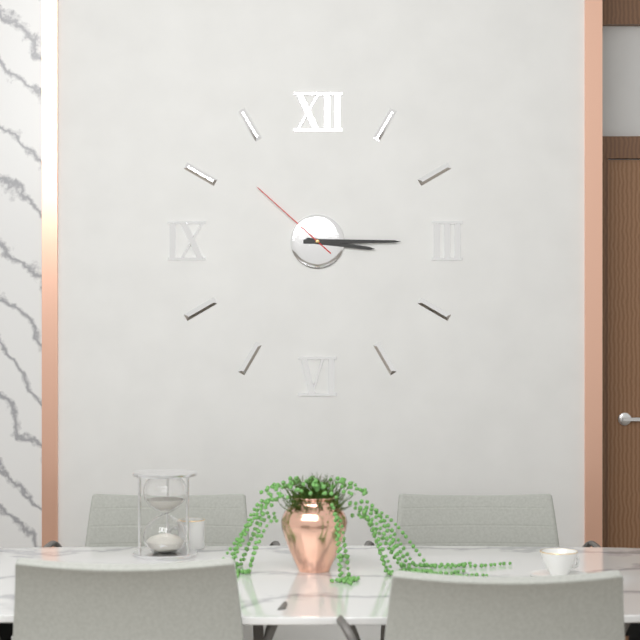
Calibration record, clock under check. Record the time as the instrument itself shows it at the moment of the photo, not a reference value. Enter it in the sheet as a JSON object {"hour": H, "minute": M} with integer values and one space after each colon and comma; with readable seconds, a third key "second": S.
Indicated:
{"hour": 3, "minute": 15, "second": 52}
